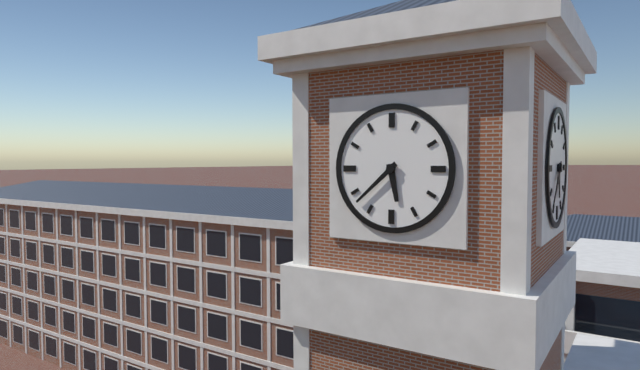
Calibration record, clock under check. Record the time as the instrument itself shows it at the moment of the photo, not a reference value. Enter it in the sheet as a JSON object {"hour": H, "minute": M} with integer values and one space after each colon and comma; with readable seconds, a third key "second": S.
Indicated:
{"hour": 5, "minute": 38}
